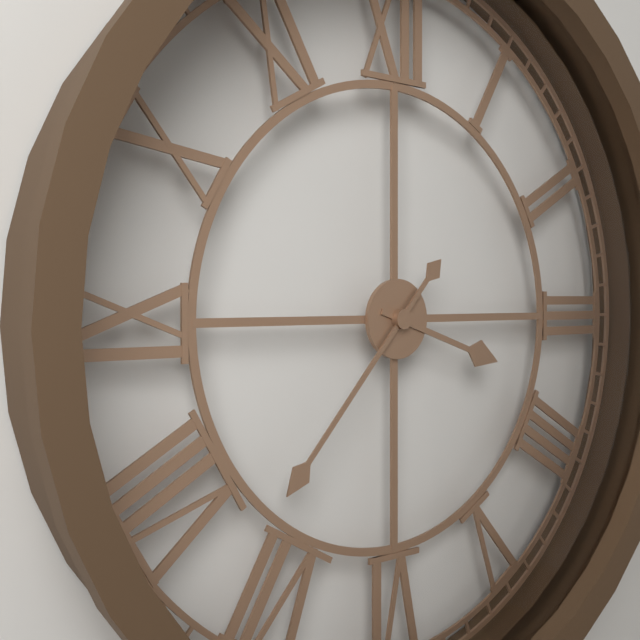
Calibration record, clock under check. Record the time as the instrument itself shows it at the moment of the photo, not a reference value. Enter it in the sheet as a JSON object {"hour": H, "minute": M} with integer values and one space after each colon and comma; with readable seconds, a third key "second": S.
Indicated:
{"hour": 3, "minute": 37}
